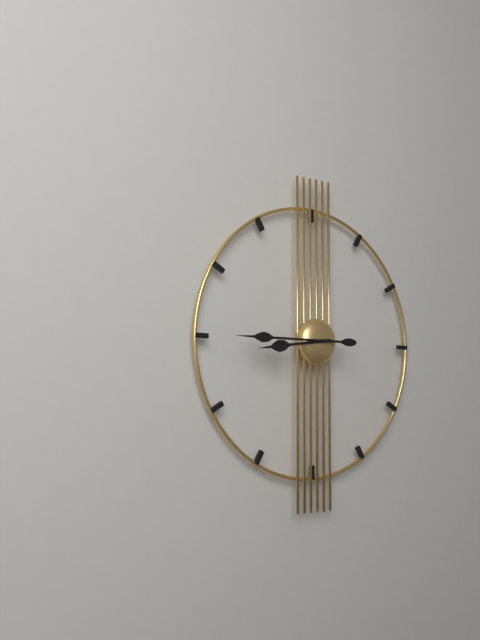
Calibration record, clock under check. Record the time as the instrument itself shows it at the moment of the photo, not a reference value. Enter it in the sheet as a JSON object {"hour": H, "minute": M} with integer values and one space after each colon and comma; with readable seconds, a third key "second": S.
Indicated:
{"hour": 8, "minute": 45}
